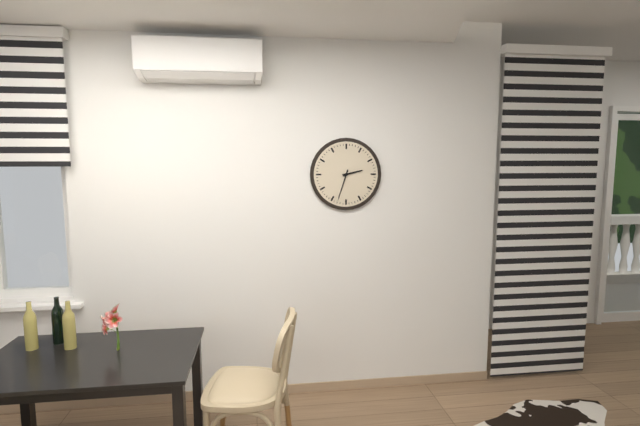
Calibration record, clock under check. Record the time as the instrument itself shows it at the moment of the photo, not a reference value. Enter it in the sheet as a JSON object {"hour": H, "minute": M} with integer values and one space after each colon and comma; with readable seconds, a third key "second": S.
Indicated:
{"hour": 2, "minute": 33}
